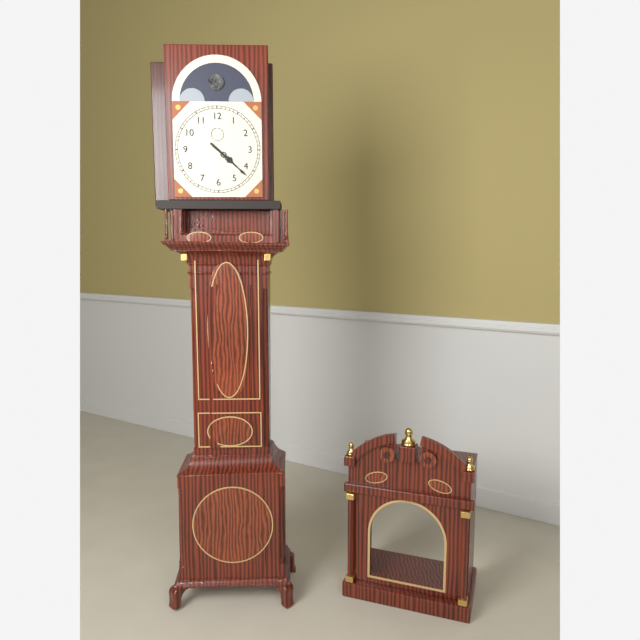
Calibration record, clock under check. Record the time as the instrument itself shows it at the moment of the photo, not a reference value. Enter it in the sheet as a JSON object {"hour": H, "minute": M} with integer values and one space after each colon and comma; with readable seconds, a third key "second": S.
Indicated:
{"hour": 4, "minute": 22}
